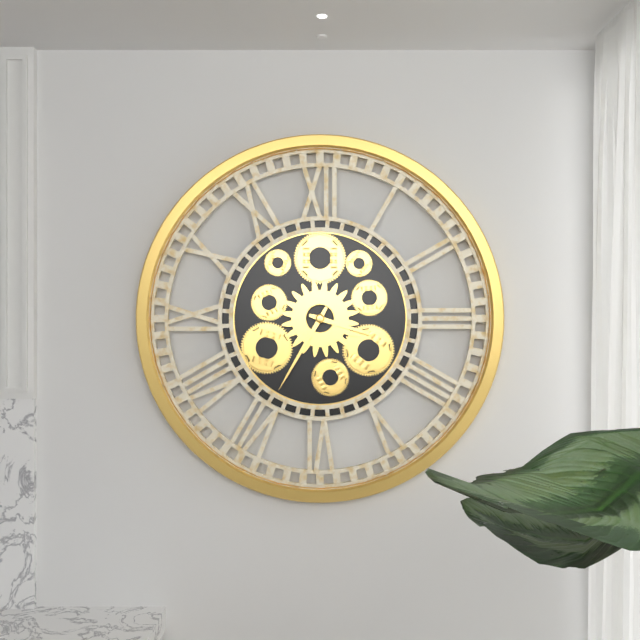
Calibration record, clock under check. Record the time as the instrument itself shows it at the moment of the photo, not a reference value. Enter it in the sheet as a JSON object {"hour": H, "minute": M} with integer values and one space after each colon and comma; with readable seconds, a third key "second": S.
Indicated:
{"hour": 3, "minute": 35}
